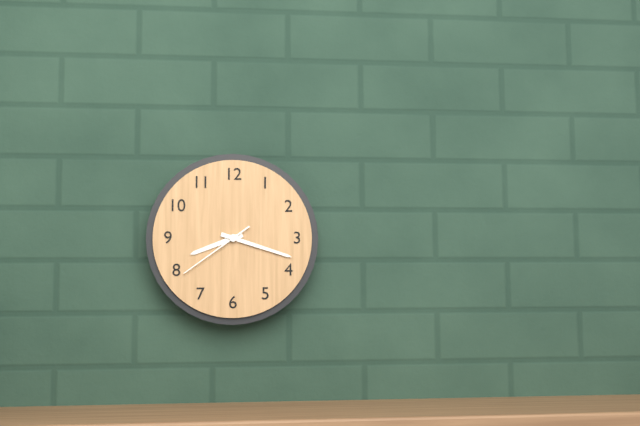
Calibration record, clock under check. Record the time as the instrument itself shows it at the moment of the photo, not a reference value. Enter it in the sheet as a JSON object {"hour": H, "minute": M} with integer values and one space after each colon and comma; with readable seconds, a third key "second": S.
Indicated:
{"hour": 8, "minute": 18, "second": 39}
